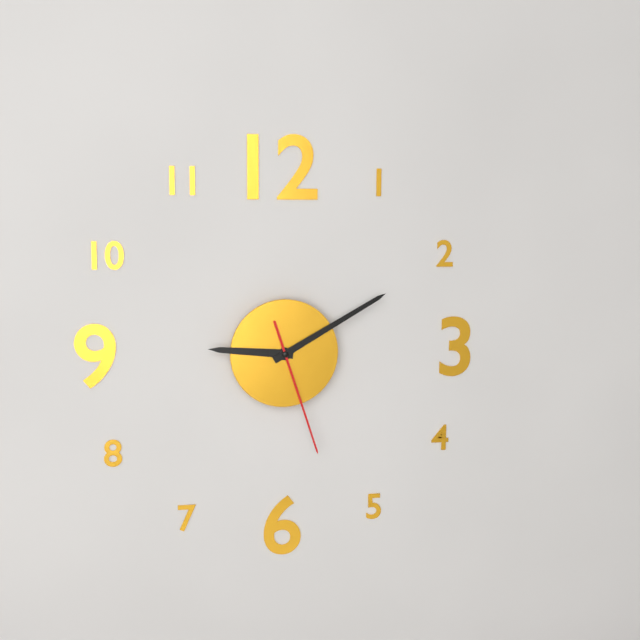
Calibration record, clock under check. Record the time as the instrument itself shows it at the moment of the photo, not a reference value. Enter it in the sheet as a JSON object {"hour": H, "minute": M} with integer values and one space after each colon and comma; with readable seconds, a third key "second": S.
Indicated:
{"hour": 9, "minute": 10, "second": 27}
